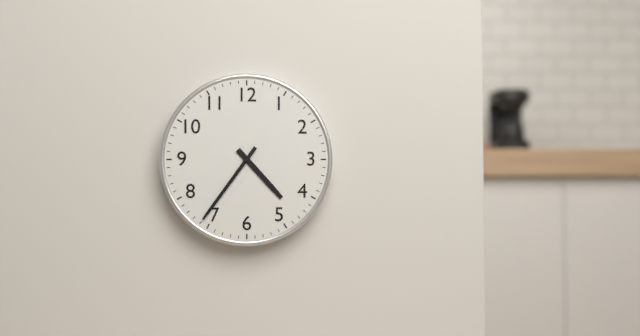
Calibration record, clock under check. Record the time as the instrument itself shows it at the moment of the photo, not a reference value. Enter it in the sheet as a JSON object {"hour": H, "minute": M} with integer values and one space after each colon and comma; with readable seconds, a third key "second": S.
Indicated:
{"hour": 4, "minute": 36}
